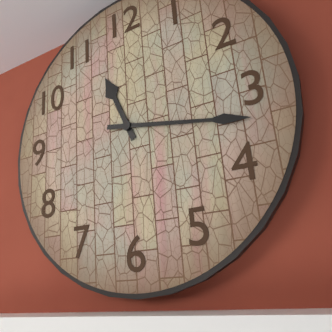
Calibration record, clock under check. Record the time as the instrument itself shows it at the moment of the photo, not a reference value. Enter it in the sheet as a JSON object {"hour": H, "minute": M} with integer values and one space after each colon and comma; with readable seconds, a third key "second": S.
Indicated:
{"hour": 11, "minute": 17}
